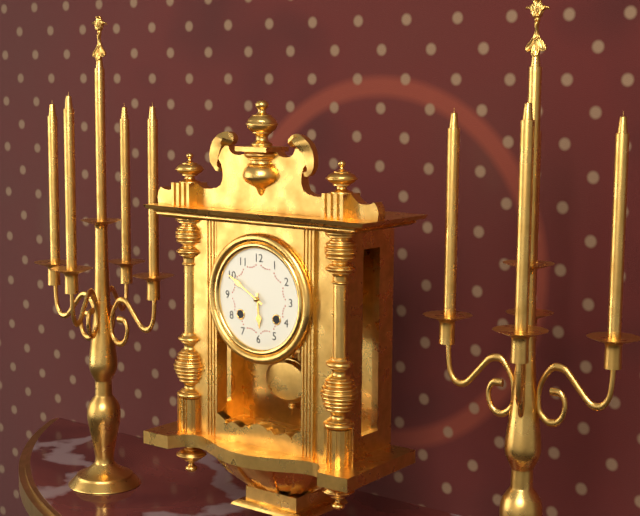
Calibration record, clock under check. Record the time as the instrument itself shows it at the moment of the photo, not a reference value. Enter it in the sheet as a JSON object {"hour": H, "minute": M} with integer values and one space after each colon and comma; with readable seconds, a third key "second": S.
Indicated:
{"hour": 5, "minute": 50}
